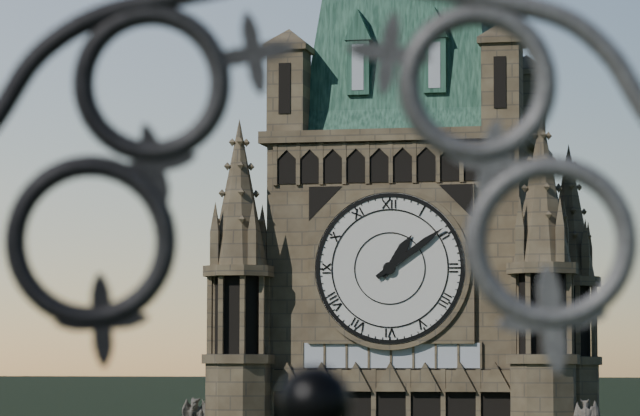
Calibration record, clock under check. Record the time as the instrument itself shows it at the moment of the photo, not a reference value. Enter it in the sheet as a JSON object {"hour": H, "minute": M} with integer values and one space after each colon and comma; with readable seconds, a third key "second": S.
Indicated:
{"hour": 1, "minute": 9}
